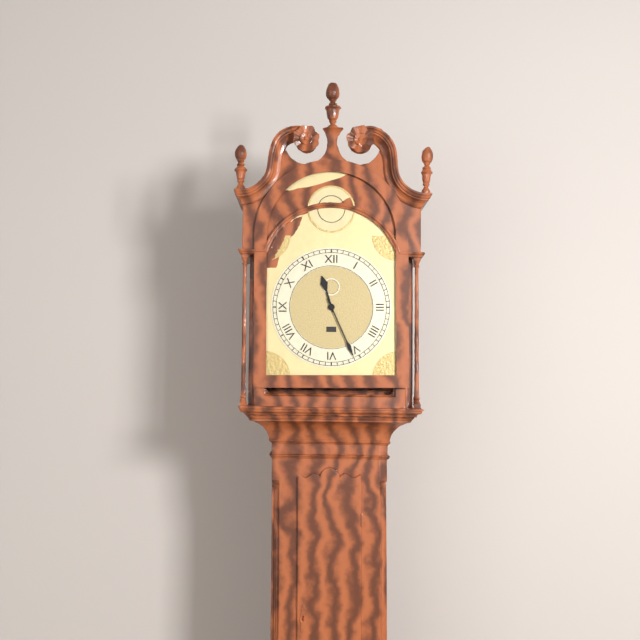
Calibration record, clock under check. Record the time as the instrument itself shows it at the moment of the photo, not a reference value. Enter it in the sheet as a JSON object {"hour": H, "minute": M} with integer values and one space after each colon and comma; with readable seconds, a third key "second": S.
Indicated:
{"hour": 11, "minute": 26}
